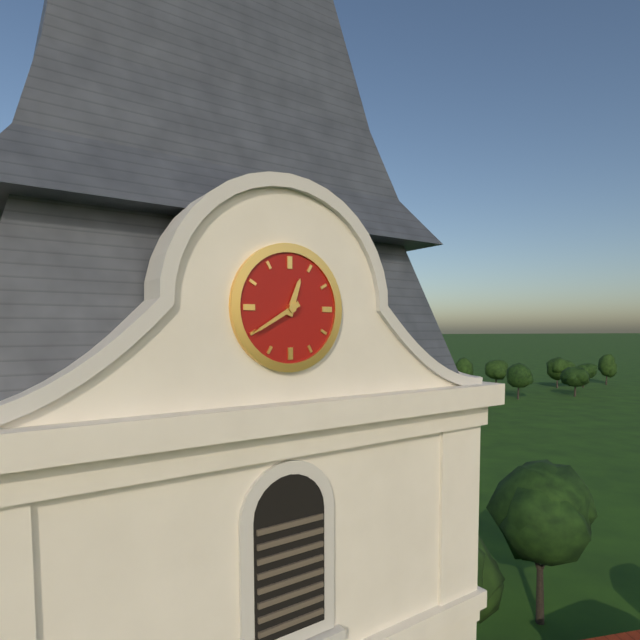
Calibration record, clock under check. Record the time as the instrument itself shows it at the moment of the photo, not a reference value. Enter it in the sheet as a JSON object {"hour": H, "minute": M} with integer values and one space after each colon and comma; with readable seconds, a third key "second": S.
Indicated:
{"hour": 12, "minute": 40}
